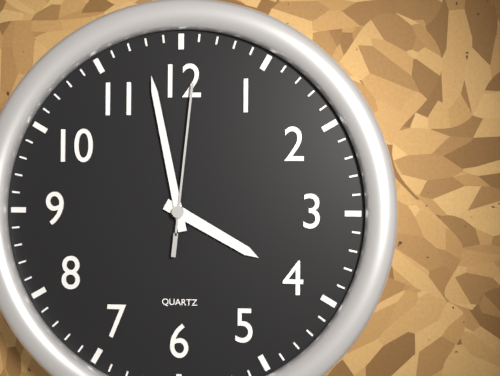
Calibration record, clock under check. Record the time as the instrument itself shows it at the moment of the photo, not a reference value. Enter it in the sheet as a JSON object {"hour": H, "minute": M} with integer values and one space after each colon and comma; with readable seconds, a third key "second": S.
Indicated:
{"hour": 3, "minute": 58, "second": 1}
